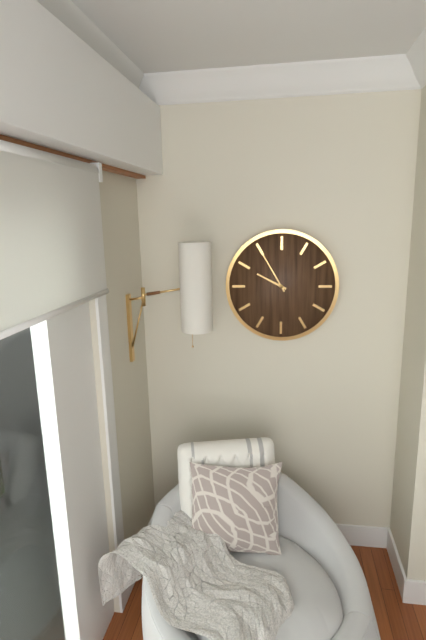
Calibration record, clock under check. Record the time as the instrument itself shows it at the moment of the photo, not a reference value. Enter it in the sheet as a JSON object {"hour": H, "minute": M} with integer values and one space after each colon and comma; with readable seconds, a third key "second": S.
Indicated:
{"hour": 9, "minute": 55}
